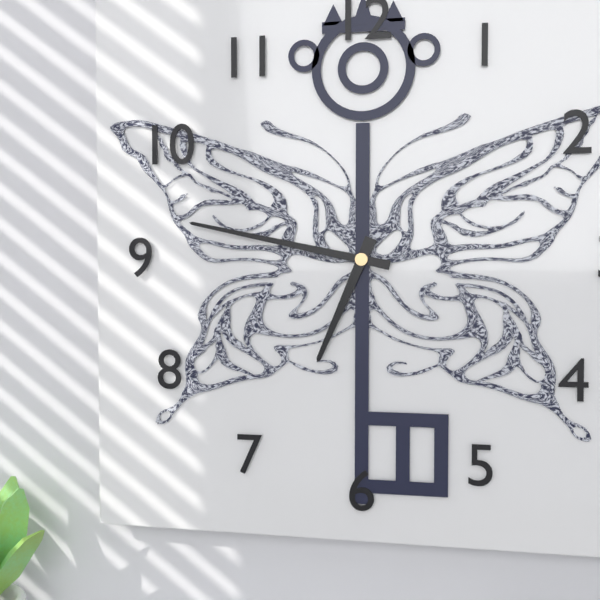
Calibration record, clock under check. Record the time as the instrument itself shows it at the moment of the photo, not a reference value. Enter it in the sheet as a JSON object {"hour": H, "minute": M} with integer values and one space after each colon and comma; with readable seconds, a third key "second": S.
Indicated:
{"hour": 6, "minute": 47}
